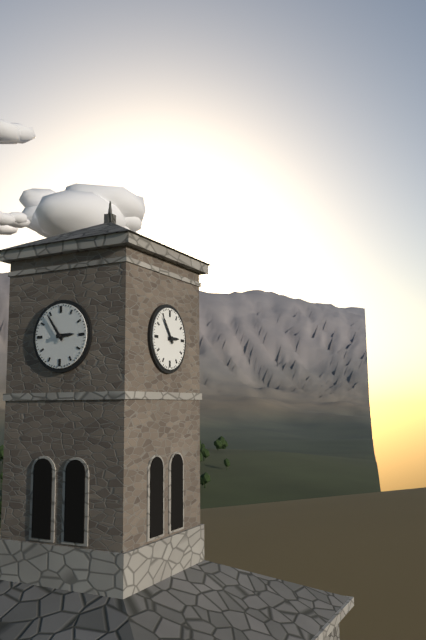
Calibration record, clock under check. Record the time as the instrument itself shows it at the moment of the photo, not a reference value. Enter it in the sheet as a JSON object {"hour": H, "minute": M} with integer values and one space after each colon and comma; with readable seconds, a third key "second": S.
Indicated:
{"hour": 2, "minute": 54}
